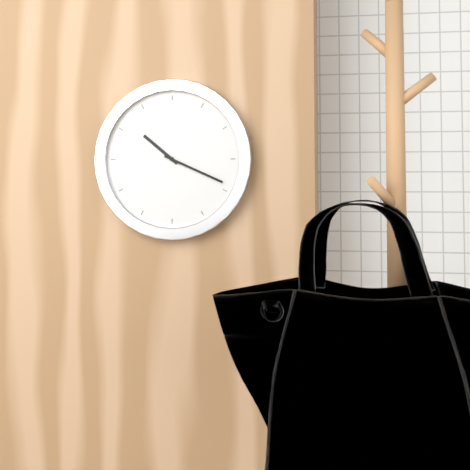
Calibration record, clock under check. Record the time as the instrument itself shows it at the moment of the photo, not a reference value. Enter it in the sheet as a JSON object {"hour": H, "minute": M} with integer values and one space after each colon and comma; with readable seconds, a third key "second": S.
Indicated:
{"hour": 10, "minute": 19}
